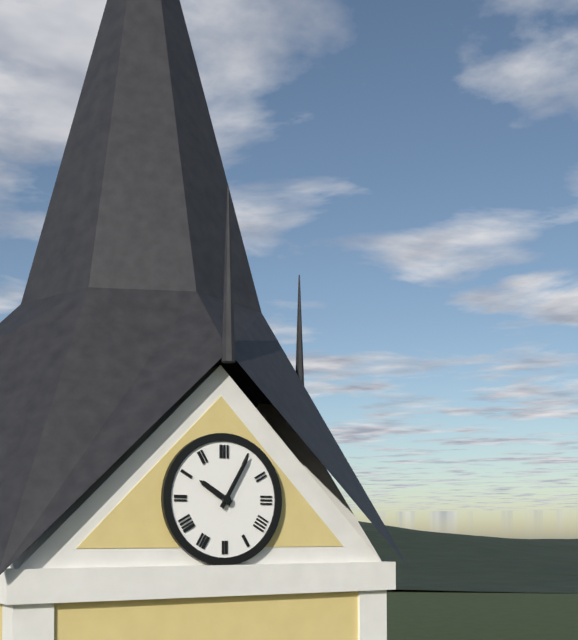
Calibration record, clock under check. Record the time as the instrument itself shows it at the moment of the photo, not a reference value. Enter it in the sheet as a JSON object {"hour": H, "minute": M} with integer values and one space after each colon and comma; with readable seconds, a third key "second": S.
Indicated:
{"hour": 10, "minute": 5}
